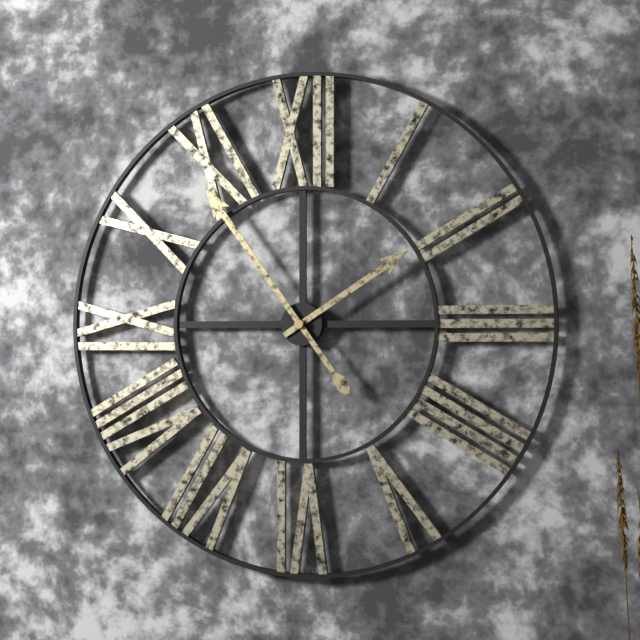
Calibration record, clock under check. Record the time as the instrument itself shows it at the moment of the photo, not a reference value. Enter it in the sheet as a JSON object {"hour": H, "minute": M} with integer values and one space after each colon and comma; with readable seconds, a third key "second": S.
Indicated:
{"hour": 1, "minute": 54}
